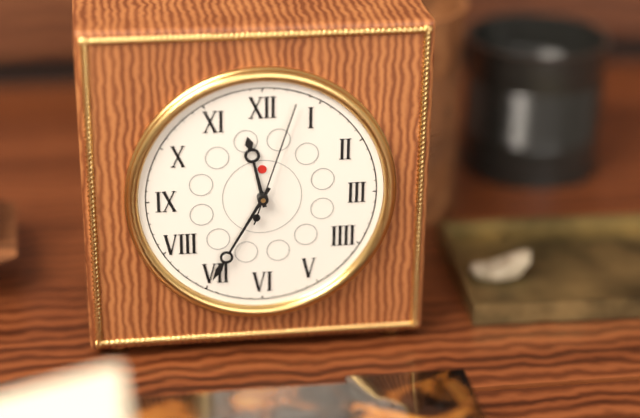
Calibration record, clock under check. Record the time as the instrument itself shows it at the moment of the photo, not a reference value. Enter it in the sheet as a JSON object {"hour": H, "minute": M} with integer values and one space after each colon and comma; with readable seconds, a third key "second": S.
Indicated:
{"hour": 11, "minute": 35, "second": 3}
